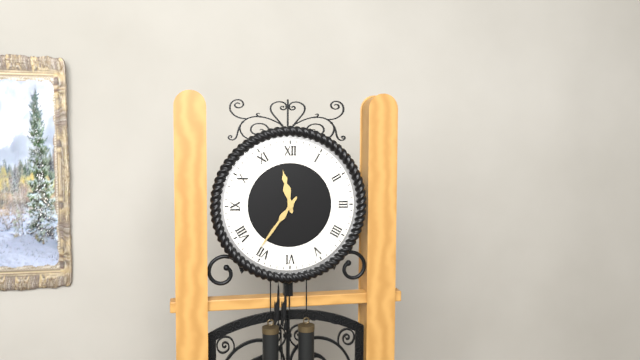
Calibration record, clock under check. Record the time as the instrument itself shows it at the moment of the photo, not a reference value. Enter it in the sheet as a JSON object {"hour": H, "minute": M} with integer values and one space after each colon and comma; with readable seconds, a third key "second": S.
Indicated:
{"hour": 11, "minute": 36}
